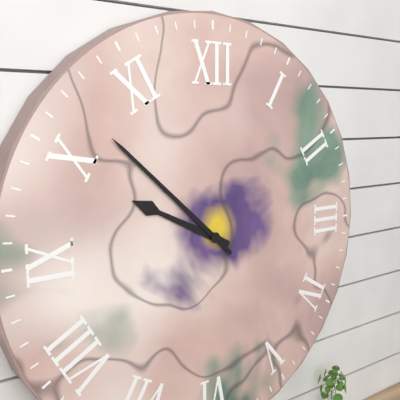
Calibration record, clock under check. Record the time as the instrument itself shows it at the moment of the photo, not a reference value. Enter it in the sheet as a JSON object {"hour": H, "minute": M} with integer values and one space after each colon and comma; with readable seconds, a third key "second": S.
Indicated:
{"hour": 9, "minute": 52}
